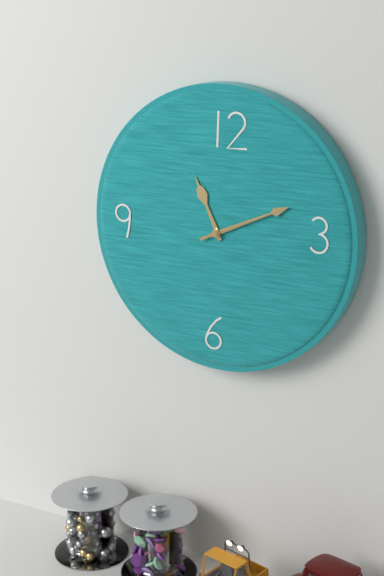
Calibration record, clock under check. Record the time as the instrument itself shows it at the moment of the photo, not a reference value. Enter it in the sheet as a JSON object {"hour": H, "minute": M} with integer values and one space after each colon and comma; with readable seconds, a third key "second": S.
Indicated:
{"hour": 11, "minute": 11, "second": 11}
